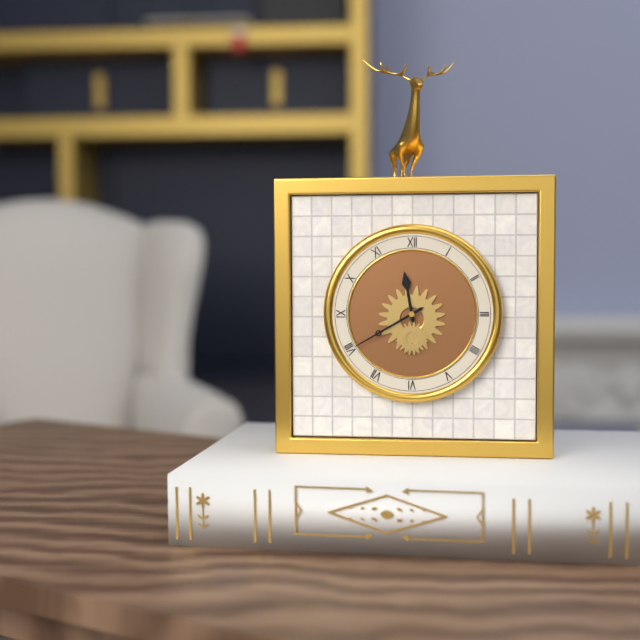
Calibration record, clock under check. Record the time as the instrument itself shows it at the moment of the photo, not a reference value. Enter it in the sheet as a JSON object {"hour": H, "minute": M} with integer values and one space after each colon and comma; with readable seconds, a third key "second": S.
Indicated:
{"hour": 11, "minute": 40}
